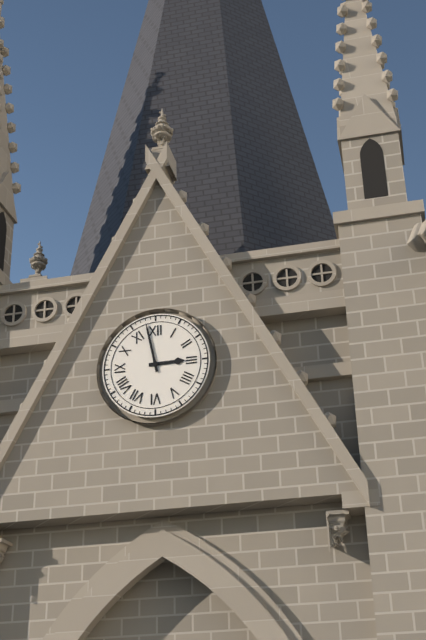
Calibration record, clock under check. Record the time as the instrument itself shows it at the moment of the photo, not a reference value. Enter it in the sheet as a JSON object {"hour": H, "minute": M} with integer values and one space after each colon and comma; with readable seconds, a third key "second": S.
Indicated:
{"hour": 2, "minute": 58}
